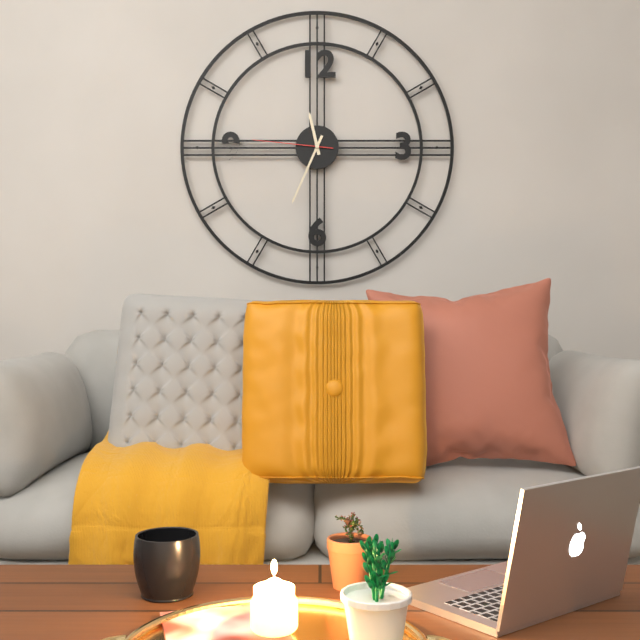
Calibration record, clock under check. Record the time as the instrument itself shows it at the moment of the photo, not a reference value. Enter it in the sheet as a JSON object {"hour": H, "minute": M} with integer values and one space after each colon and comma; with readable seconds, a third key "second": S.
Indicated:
{"hour": 11, "minute": 34, "second": 46}
